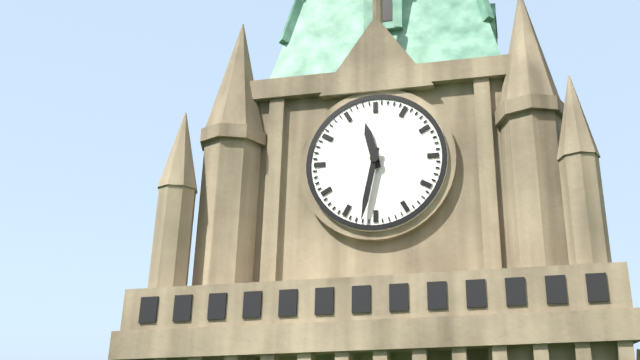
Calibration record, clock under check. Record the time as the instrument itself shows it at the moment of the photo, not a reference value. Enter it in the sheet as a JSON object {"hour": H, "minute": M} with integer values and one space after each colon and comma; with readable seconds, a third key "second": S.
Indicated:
{"hour": 11, "minute": 32}
